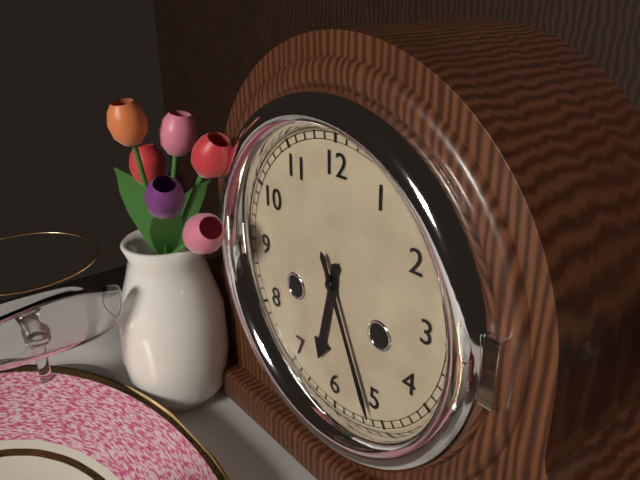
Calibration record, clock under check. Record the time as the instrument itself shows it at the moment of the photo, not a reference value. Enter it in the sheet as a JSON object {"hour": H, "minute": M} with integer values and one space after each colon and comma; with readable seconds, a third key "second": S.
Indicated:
{"hour": 6, "minute": 26}
